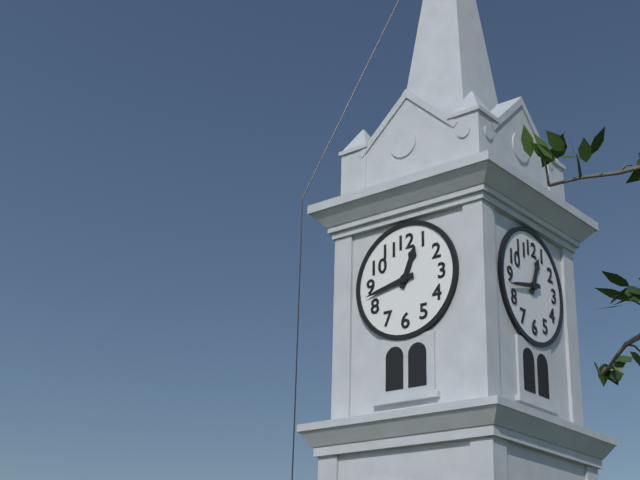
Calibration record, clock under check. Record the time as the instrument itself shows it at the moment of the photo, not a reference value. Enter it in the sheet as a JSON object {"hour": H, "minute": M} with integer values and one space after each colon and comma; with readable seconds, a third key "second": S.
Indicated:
{"hour": 12, "minute": 43}
